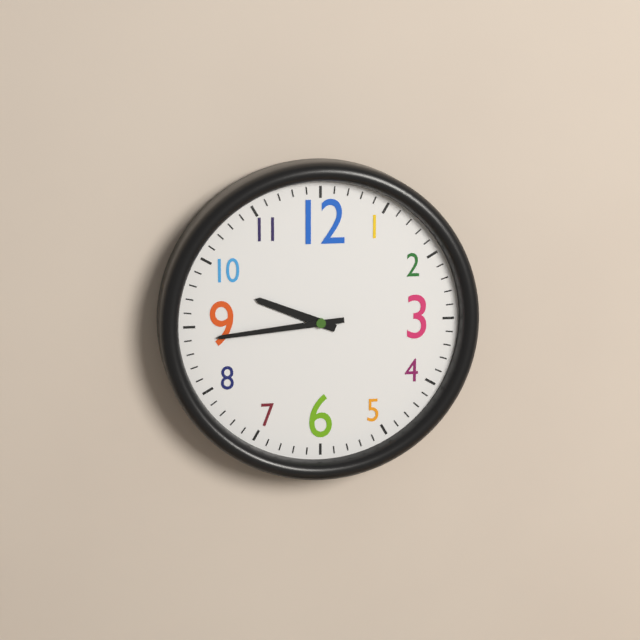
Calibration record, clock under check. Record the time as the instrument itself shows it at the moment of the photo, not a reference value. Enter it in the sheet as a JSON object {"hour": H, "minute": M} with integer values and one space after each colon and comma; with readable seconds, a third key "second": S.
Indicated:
{"hour": 9, "minute": 44}
